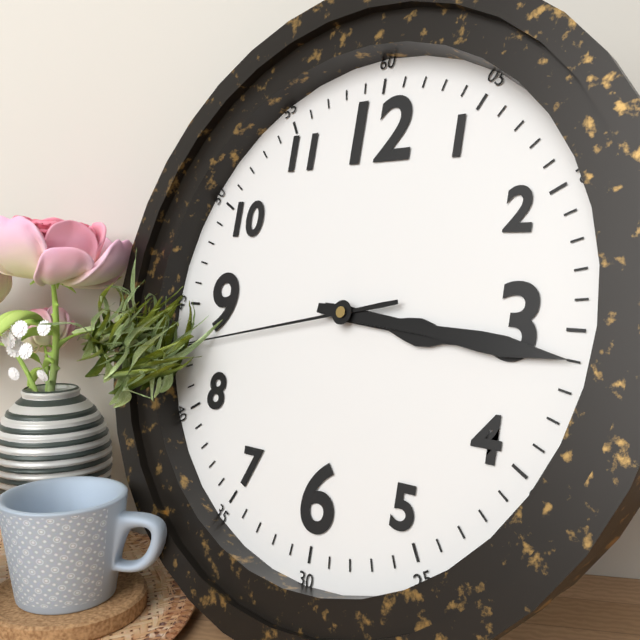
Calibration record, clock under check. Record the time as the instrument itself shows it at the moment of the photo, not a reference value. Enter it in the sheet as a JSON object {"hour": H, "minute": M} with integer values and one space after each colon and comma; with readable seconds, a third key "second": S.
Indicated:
{"hour": 3, "minute": 16, "second": 43}
